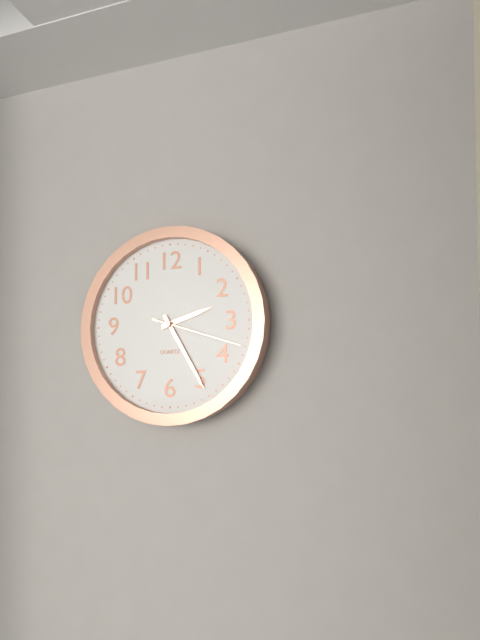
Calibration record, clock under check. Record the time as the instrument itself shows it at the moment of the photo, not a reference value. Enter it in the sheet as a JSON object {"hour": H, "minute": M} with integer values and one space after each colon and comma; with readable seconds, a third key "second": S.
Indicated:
{"hour": 2, "minute": 25, "second": 18}
